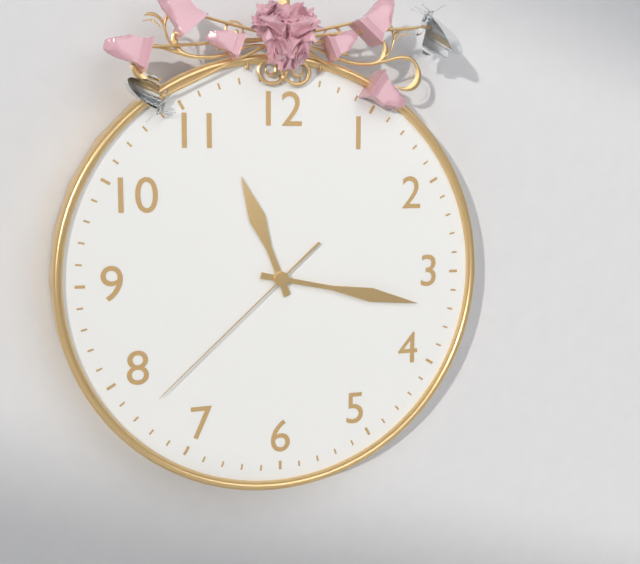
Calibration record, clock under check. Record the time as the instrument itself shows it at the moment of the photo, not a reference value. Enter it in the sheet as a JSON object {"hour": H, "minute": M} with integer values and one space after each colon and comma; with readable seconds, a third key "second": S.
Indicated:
{"hour": 11, "minute": 17, "second": 38}
